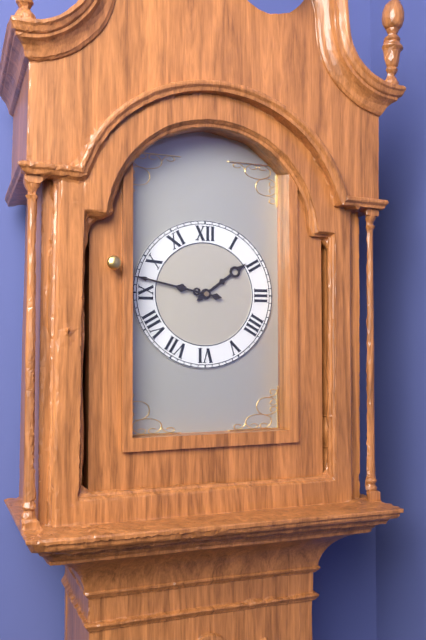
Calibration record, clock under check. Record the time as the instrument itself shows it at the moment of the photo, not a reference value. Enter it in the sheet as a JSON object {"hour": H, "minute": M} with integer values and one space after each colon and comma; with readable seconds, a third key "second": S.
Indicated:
{"hour": 1, "minute": 47}
